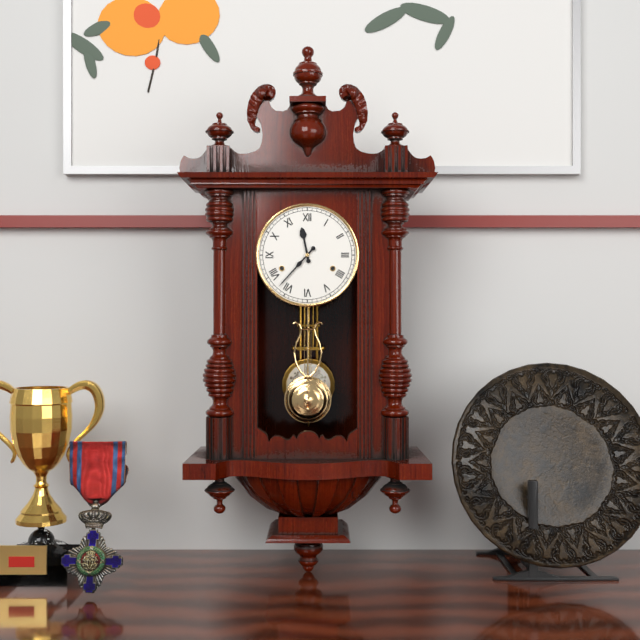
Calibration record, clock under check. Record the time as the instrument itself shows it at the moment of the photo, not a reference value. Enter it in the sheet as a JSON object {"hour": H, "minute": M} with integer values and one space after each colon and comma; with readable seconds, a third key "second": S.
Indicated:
{"hour": 11, "minute": 37}
